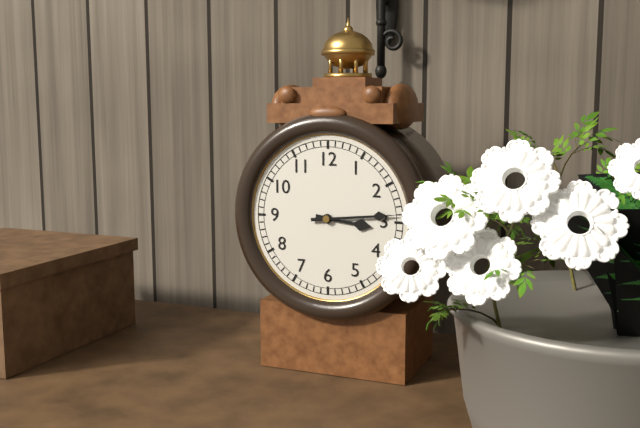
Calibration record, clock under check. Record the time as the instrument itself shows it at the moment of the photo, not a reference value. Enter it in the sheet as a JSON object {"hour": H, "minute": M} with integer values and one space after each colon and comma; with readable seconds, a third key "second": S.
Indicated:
{"hour": 3, "minute": 14}
